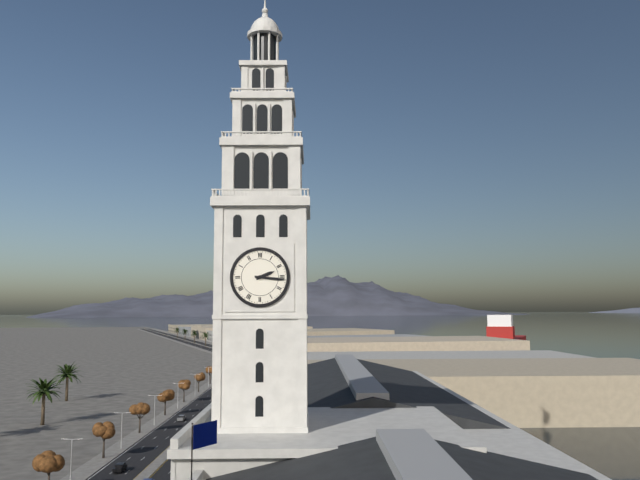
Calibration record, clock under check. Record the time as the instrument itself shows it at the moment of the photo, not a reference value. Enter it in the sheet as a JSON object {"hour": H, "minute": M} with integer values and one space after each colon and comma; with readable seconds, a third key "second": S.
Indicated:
{"hour": 2, "minute": 16}
